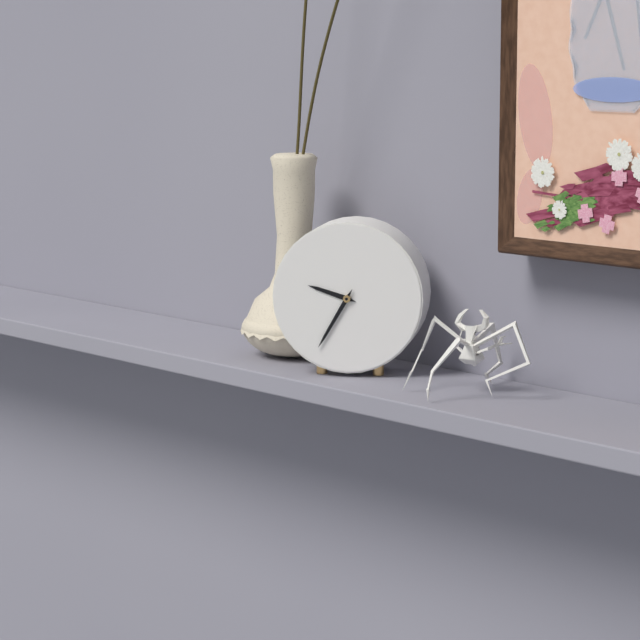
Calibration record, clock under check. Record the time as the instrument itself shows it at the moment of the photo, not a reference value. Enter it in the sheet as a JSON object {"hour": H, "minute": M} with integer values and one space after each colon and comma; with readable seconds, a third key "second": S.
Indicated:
{"hour": 9, "minute": 35}
